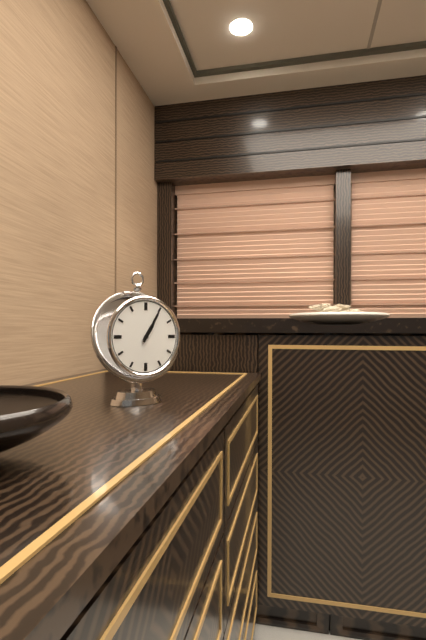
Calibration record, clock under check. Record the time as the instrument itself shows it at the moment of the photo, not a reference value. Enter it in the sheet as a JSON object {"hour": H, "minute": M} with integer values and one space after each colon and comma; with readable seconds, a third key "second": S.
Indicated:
{"hour": 1, "minute": 5}
